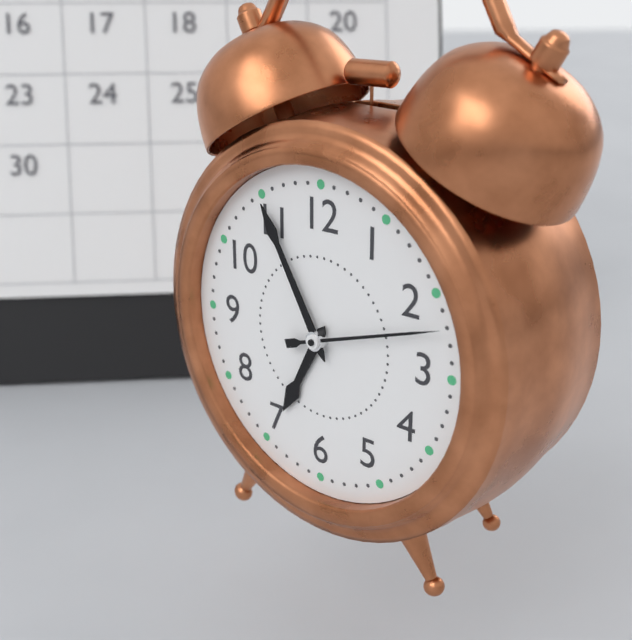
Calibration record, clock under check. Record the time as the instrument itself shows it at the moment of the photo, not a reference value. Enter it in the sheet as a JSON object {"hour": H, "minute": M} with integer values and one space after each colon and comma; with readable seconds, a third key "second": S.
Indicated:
{"hour": 6, "minute": 55, "second": 12}
